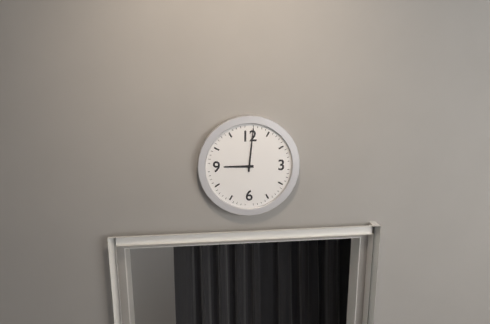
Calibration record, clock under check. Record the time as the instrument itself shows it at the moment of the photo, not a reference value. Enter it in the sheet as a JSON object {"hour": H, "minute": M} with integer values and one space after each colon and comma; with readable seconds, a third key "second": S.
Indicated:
{"hour": 9, "minute": 1}
